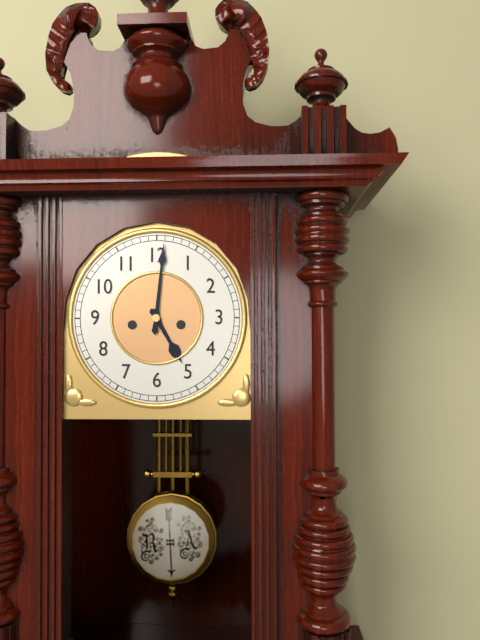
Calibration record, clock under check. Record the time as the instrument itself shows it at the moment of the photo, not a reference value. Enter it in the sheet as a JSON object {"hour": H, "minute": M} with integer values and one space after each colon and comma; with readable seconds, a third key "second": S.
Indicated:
{"hour": 5, "minute": 1}
